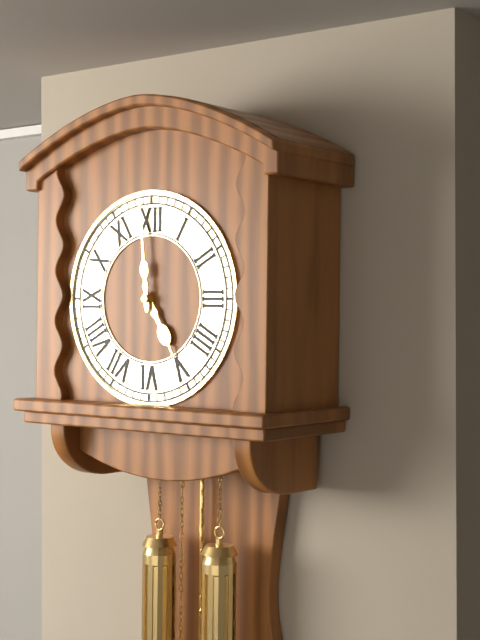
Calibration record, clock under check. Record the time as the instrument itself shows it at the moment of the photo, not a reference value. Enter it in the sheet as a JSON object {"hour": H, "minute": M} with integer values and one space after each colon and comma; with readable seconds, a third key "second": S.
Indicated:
{"hour": 4, "minute": 59}
